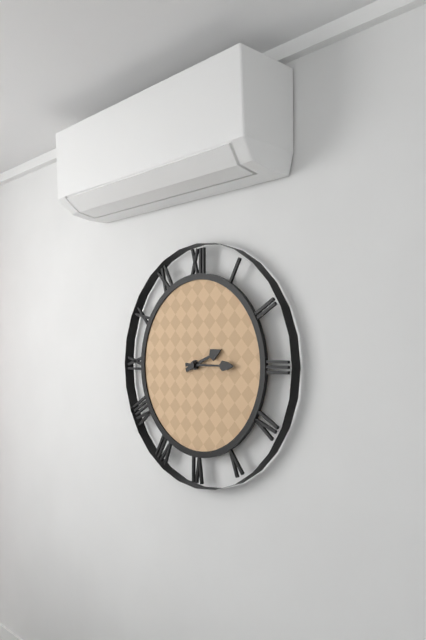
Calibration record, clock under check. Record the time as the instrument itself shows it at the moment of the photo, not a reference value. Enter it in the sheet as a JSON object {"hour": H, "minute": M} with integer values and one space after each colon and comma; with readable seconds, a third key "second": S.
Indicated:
{"hour": 2, "minute": 15}
